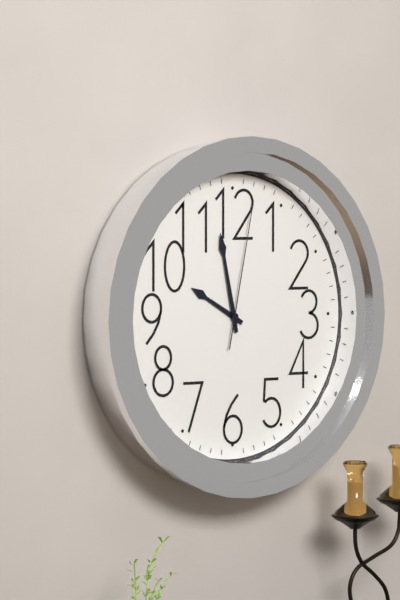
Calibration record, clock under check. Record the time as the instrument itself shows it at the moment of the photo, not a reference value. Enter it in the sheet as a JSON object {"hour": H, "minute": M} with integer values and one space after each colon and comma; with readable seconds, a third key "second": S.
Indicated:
{"hour": 9, "minute": 58, "second": 2}
